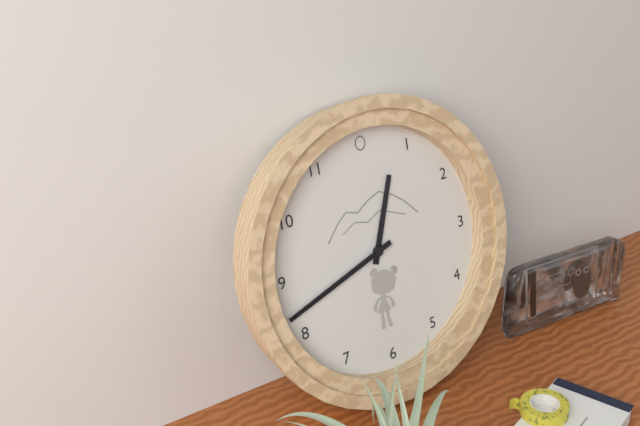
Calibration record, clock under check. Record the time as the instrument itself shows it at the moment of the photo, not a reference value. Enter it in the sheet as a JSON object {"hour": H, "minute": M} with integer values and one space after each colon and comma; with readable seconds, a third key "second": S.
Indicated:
{"hour": 12, "minute": 42}
